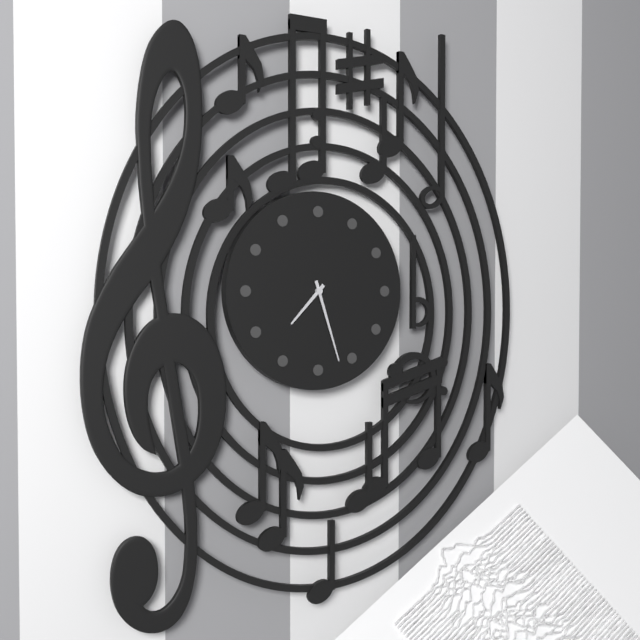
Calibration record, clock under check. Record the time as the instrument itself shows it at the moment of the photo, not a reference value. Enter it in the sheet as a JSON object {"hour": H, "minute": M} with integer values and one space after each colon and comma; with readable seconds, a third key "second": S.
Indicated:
{"hour": 7, "minute": 27}
